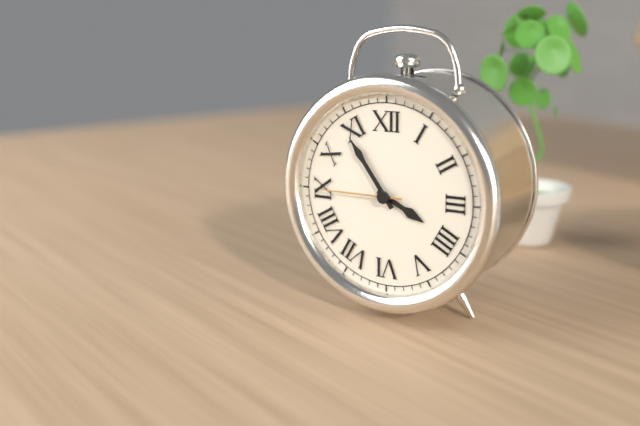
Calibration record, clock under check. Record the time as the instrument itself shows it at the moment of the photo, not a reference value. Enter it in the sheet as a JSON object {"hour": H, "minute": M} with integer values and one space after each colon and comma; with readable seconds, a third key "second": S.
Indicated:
{"hour": 3, "minute": 54, "second": 45}
